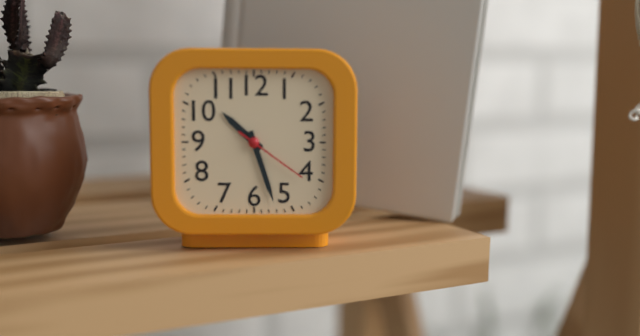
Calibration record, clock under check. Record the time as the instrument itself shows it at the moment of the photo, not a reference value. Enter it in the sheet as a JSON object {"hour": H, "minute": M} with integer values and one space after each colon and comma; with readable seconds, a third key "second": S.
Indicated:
{"hour": 10, "minute": 27, "second": 21}
